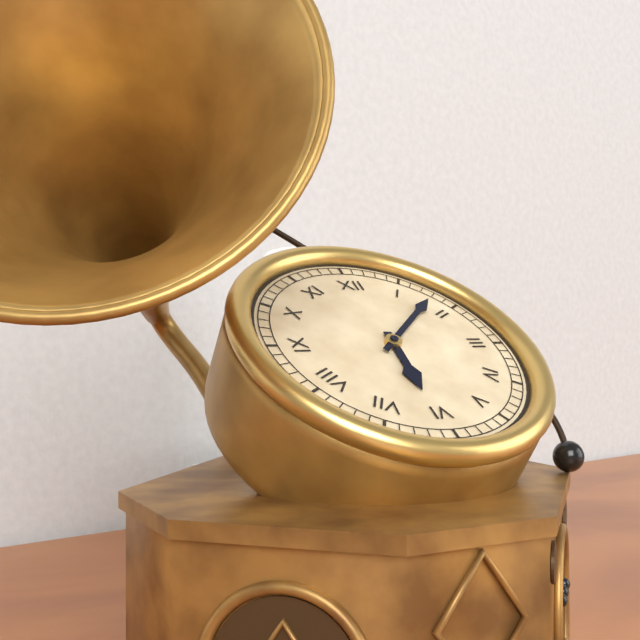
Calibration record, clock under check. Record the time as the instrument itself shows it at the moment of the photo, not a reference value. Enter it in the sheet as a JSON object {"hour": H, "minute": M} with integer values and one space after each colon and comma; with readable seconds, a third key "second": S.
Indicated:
{"hour": 6, "minute": 8}
